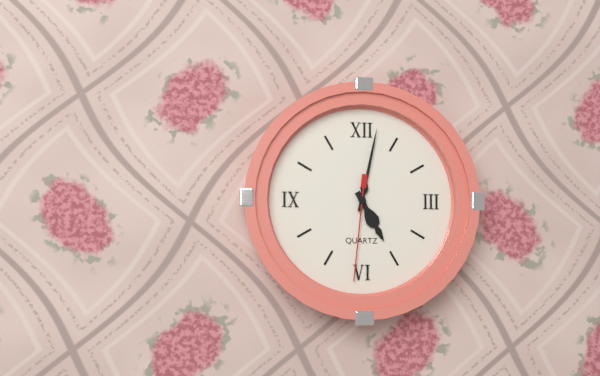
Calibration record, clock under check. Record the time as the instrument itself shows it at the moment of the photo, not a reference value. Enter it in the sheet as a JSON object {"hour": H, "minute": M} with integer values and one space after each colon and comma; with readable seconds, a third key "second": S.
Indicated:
{"hour": 5, "minute": 2, "second": 31}
